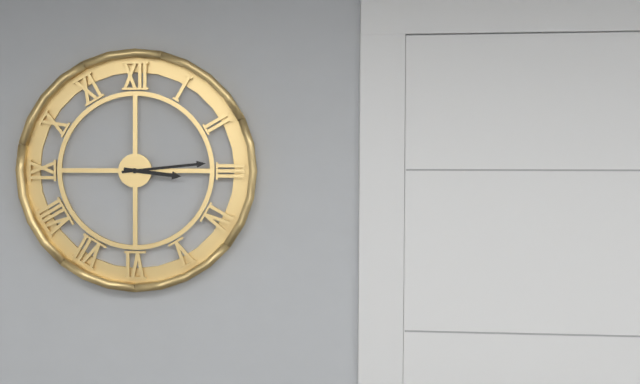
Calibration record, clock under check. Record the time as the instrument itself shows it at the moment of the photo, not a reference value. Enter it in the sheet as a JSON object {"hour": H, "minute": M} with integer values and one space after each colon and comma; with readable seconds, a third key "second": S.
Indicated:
{"hour": 3, "minute": 14}
